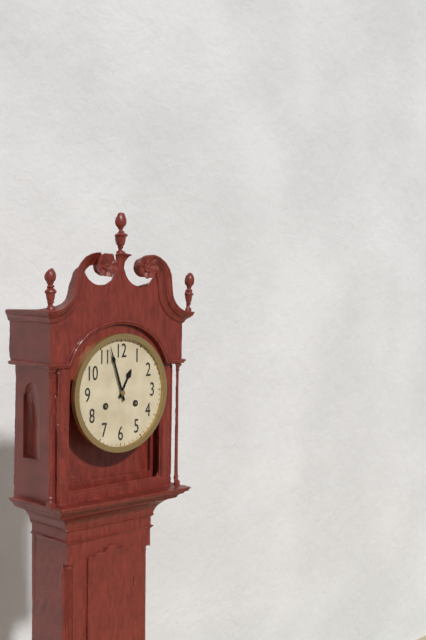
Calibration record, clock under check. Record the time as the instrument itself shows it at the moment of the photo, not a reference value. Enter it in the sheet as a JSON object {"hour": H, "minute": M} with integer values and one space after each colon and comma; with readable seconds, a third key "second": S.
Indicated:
{"hour": 12, "minute": 57}
